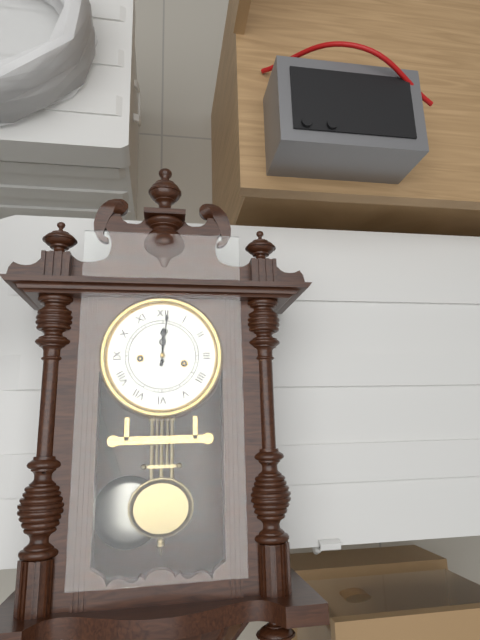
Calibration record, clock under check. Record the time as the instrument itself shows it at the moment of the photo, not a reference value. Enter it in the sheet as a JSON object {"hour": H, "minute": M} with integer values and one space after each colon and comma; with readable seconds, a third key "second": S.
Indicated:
{"hour": 12, "minute": 1}
